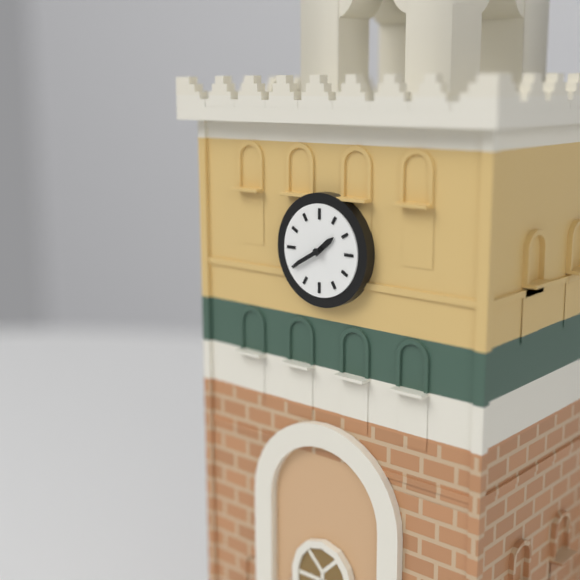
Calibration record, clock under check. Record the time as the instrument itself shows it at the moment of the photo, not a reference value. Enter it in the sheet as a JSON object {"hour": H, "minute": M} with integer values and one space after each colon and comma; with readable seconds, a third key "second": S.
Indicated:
{"hour": 1, "minute": 40}
